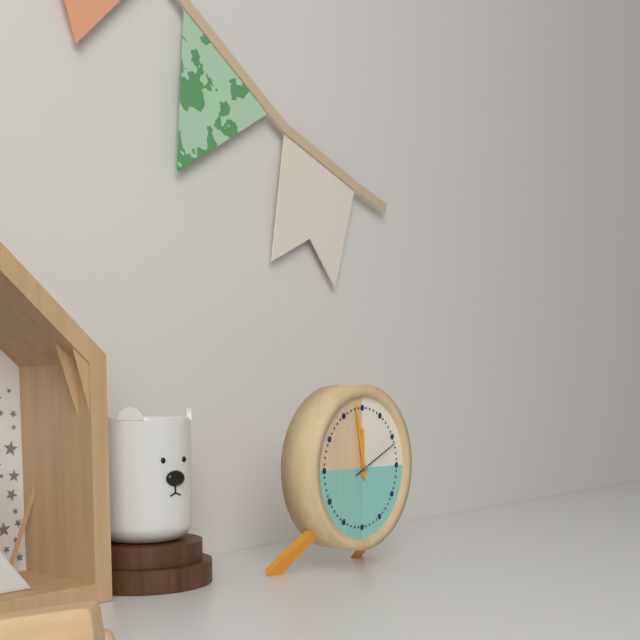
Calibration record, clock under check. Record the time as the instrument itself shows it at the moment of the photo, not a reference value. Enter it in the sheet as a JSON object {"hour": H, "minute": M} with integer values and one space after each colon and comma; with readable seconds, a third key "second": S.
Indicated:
{"hour": 11, "minute": 58}
